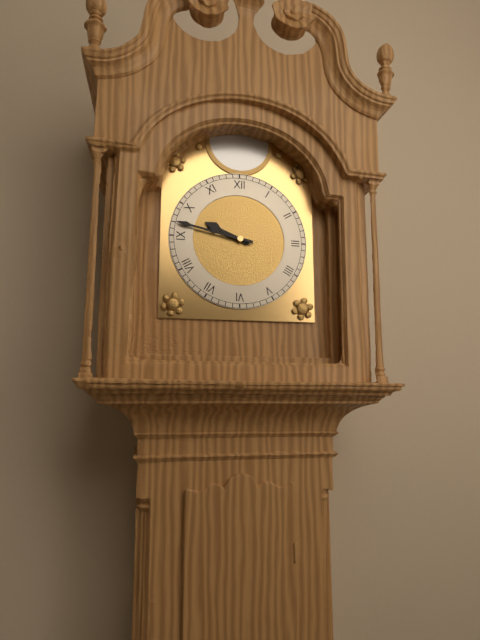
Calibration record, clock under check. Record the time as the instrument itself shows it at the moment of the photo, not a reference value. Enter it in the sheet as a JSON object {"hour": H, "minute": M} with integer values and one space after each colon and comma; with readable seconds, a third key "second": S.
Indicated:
{"hour": 9, "minute": 47}
